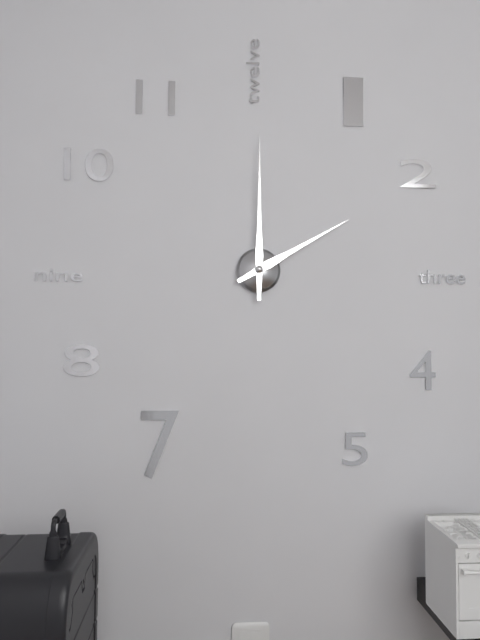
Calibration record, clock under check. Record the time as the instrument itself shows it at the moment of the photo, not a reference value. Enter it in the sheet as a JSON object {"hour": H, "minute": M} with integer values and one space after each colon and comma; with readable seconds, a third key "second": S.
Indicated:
{"hour": 2, "minute": 0}
